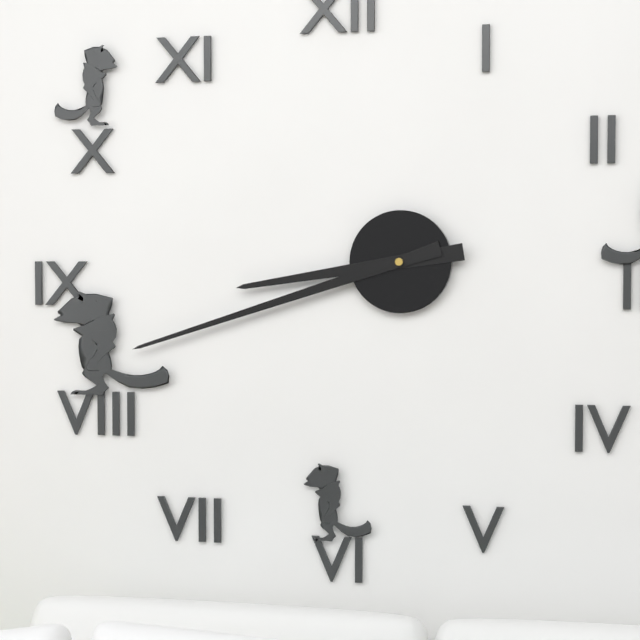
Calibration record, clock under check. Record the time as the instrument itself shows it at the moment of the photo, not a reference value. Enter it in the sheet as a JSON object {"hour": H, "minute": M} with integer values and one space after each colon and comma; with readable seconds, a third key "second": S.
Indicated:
{"hour": 8, "minute": 42}
